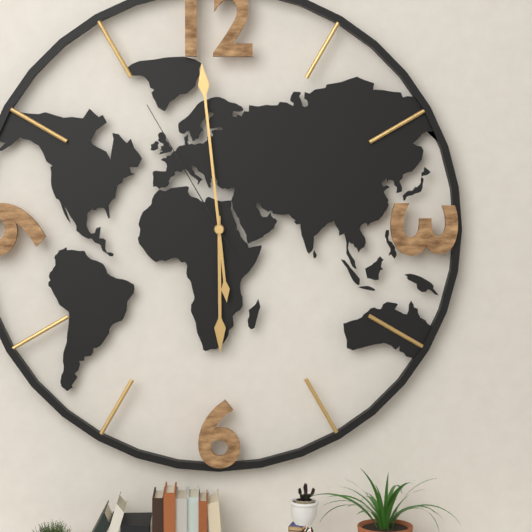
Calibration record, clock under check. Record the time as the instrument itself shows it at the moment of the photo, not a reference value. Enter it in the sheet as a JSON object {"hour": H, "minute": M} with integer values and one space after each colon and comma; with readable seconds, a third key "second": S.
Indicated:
{"hour": 5, "minute": 59, "second": 55}
